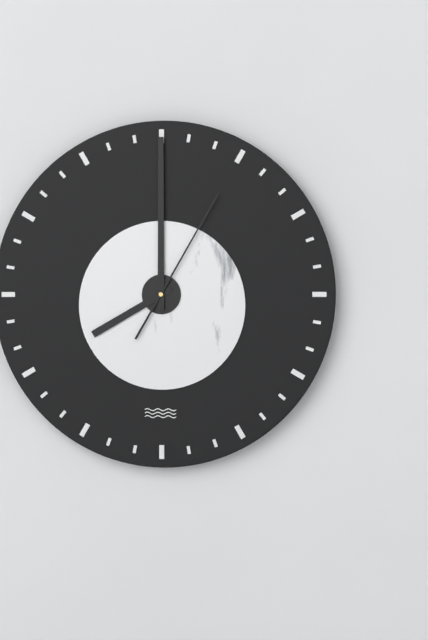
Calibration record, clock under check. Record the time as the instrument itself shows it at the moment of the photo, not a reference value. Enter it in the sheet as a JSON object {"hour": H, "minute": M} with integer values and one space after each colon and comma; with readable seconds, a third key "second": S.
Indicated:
{"hour": 8, "minute": 0, "second": 5}
